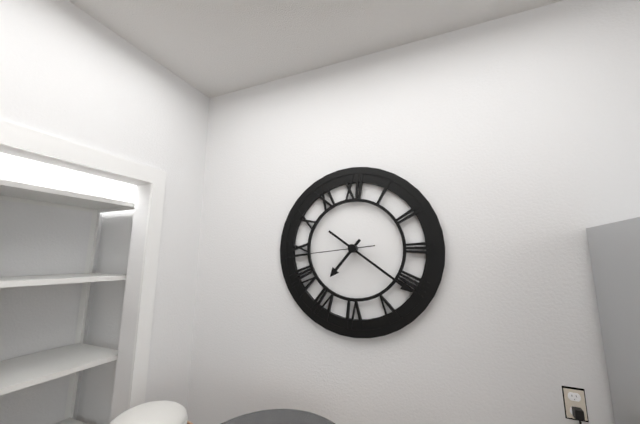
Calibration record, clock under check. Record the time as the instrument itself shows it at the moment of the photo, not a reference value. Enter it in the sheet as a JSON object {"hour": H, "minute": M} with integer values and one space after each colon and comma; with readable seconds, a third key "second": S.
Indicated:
{"hour": 7, "minute": 21, "second": 44}
